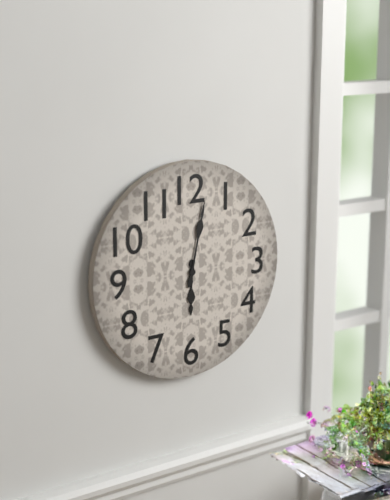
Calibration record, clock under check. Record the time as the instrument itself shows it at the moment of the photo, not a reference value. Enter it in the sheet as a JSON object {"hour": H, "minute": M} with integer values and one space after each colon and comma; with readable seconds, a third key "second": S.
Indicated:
{"hour": 6, "minute": 2}
